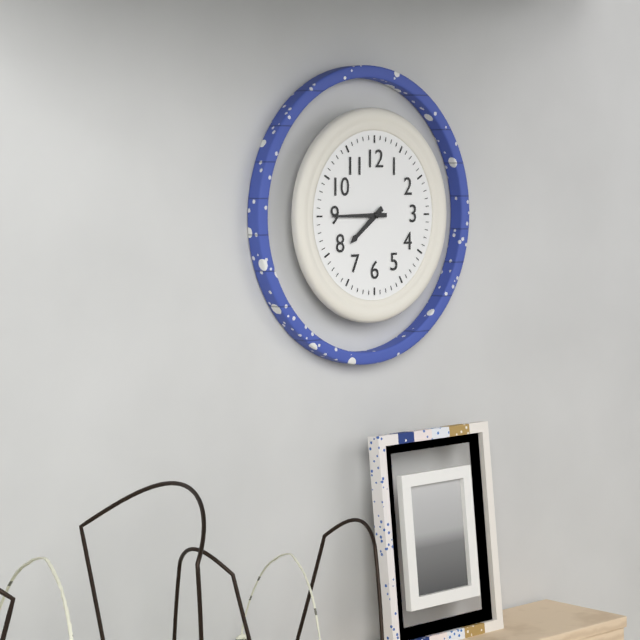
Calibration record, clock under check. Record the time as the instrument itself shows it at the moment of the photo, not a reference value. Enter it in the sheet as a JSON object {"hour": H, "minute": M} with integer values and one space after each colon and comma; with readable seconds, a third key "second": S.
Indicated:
{"hour": 7, "minute": 45}
